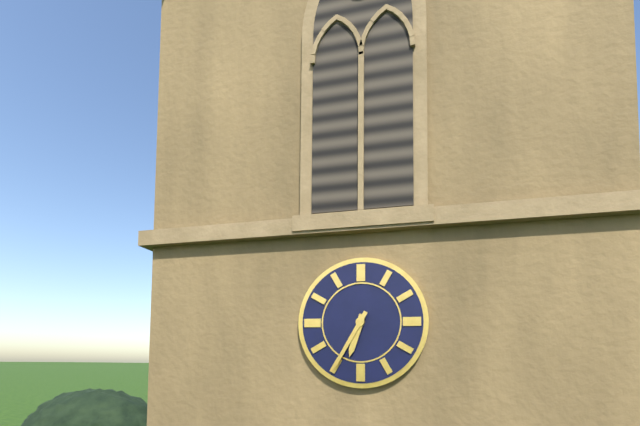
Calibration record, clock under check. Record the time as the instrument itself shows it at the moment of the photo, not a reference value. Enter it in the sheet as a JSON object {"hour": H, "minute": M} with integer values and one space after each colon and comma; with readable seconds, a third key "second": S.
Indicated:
{"hour": 6, "minute": 35}
